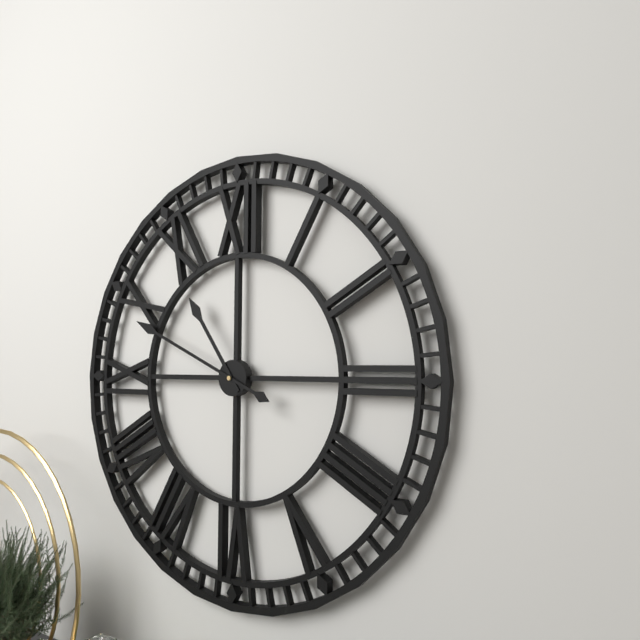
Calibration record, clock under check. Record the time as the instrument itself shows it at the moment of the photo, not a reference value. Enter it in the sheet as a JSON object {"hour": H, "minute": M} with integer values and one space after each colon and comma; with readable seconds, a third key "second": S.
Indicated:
{"hour": 10, "minute": 49}
